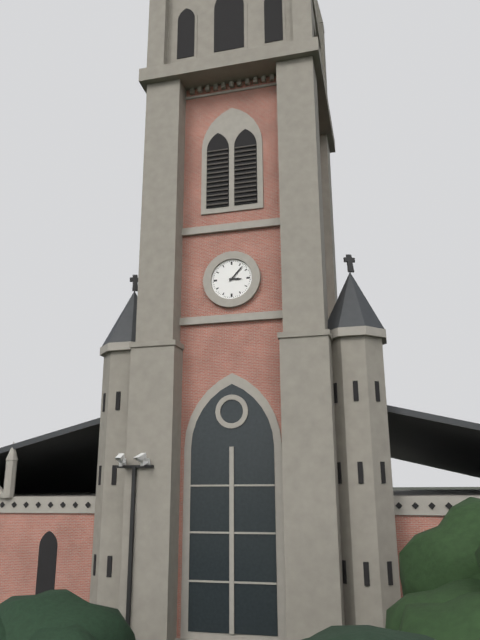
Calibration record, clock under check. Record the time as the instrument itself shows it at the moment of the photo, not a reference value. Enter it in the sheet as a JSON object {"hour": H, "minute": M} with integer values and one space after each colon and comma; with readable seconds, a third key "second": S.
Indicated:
{"hour": 3, "minute": 7}
